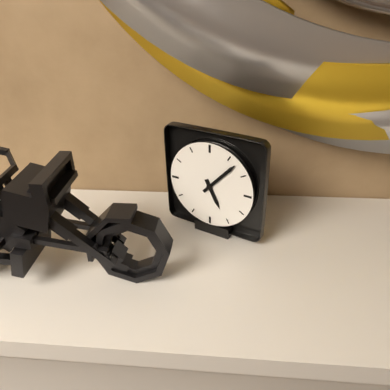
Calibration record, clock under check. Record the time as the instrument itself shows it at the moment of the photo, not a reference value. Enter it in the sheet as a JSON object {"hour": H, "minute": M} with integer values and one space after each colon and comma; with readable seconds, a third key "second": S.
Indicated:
{"hour": 5, "minute": 7}
